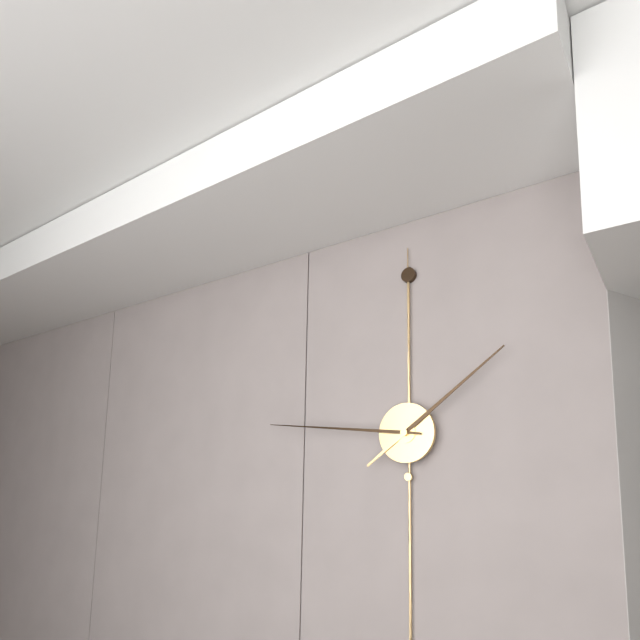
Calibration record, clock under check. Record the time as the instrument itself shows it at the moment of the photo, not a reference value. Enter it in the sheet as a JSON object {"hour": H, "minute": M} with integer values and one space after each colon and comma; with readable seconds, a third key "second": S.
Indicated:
{"hour": 1, "minute": 46}
